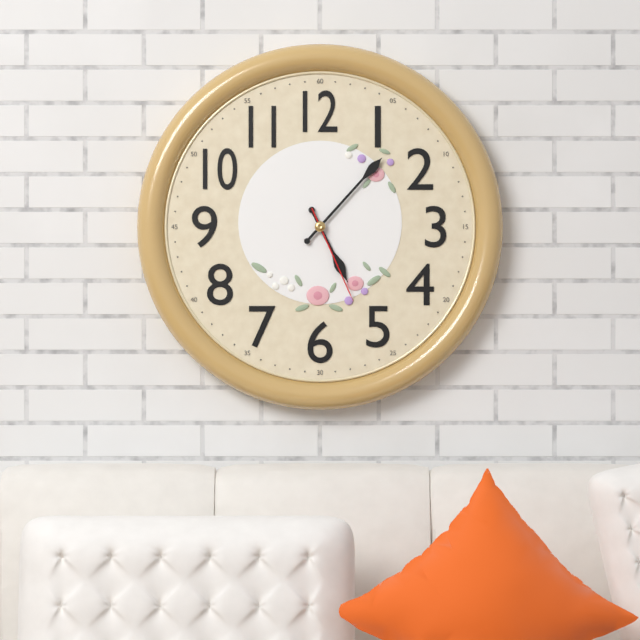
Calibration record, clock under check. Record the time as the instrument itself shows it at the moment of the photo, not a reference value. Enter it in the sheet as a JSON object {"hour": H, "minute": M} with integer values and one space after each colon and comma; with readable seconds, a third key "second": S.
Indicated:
{"hour": 5, "minute": 7, "second": 26}
